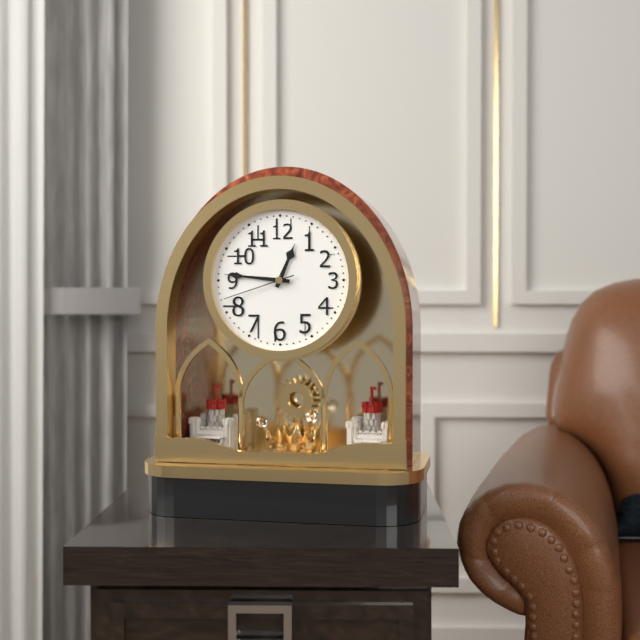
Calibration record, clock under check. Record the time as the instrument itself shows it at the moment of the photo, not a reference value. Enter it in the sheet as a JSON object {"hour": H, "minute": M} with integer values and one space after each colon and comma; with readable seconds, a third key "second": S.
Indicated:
{"hour": 12, "minute": 46, "second": 42}
